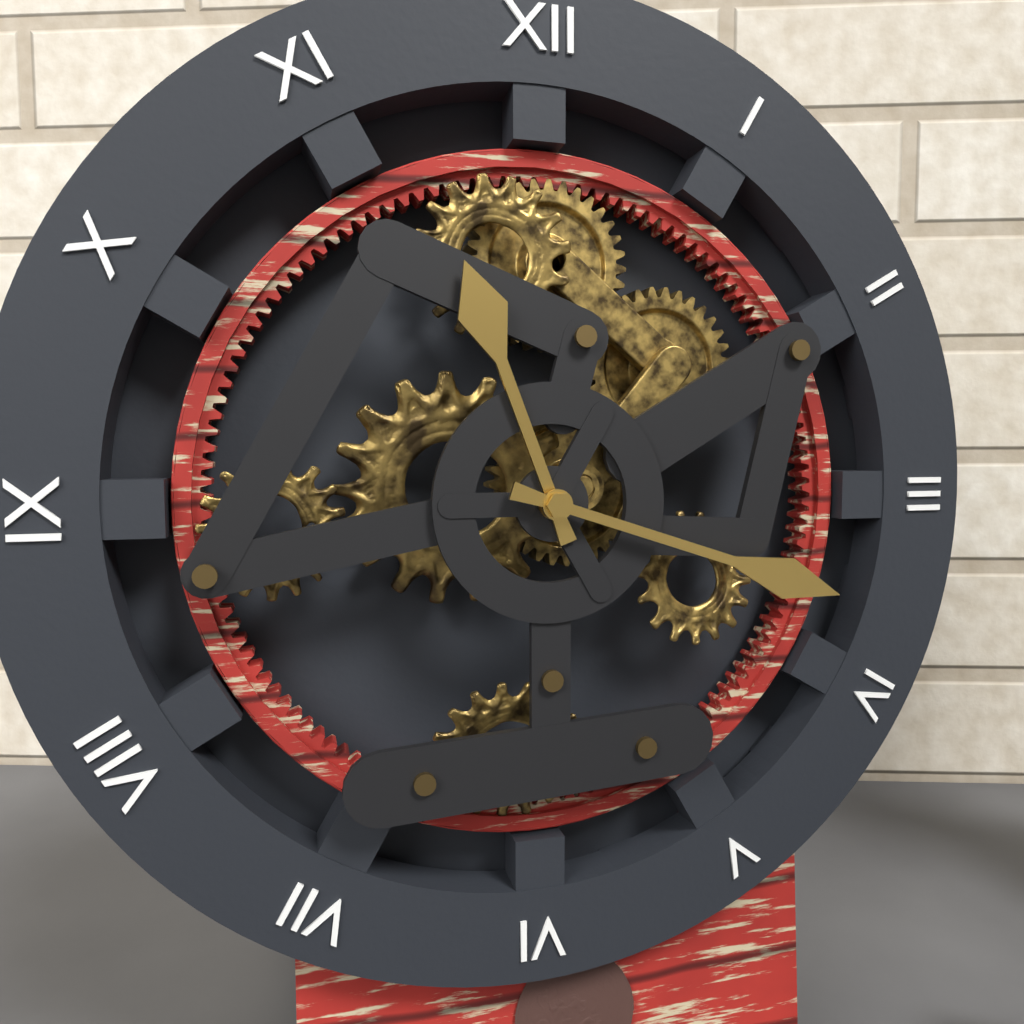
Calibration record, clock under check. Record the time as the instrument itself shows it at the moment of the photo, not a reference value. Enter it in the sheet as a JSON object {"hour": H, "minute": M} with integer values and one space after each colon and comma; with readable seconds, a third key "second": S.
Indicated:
{"hour": 11, "minute": 18}
